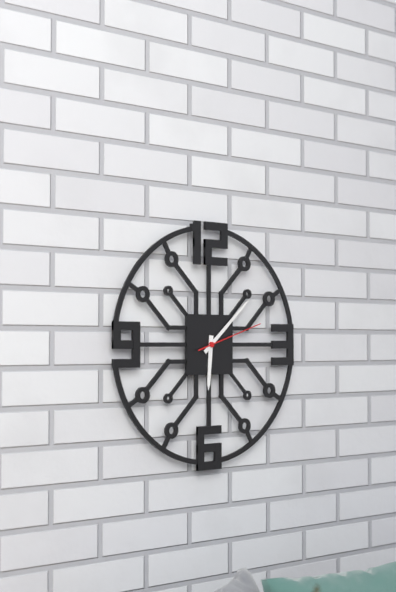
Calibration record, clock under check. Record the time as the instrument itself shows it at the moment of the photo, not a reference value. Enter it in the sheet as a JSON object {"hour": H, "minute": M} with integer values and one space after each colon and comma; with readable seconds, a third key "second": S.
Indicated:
{"hour": 6, "minute": 8, "second": 12}
